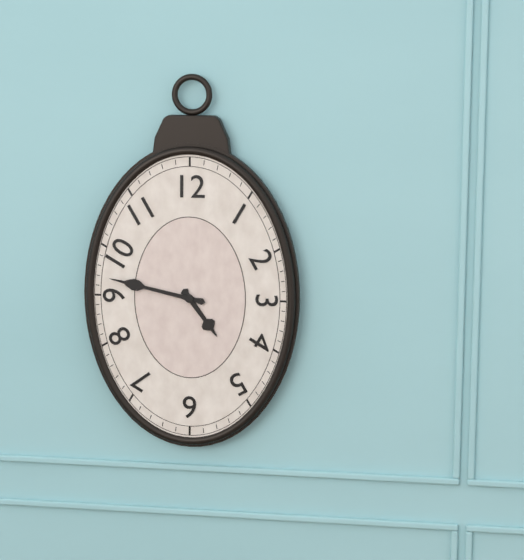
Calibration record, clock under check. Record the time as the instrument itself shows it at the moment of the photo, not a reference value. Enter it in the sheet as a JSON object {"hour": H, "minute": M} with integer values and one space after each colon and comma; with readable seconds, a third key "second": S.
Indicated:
{"hour": 4, "minute": 47}
